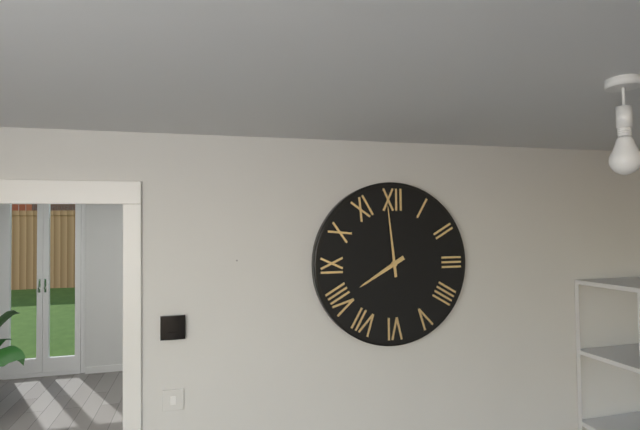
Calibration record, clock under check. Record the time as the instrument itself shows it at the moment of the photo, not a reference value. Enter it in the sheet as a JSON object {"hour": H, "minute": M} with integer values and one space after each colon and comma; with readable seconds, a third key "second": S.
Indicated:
{"hour": 7, "minute": 59}
